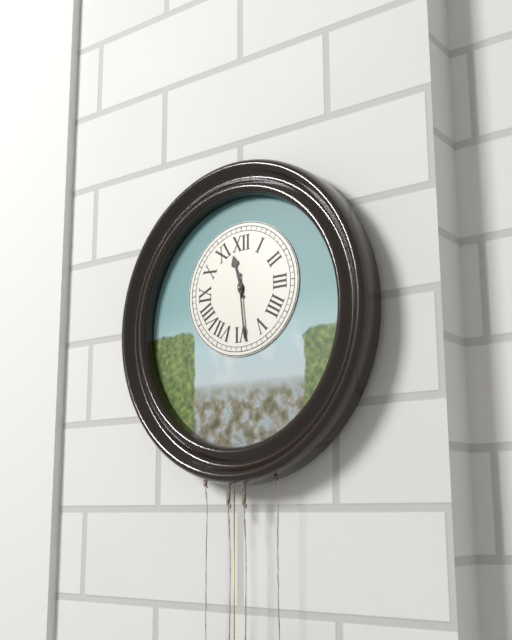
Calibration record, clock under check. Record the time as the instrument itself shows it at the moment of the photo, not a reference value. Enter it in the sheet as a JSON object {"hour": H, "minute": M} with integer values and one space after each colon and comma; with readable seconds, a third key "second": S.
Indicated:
{"hour": 11, "minute": 29}
